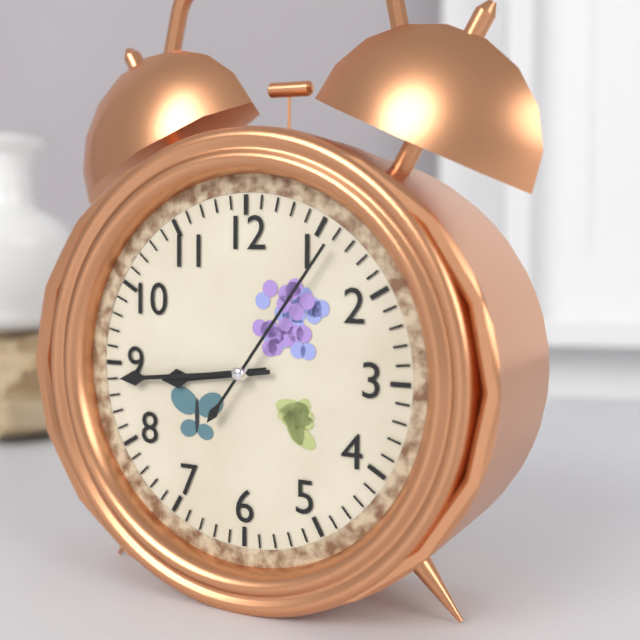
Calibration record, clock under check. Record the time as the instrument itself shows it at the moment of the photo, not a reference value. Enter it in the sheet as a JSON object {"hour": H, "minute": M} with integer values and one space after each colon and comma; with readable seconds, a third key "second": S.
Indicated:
{"hour": 8, "minute": 44, "second": 6}
